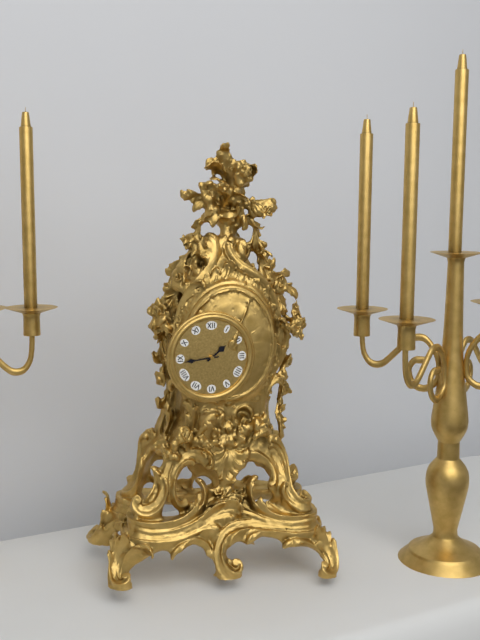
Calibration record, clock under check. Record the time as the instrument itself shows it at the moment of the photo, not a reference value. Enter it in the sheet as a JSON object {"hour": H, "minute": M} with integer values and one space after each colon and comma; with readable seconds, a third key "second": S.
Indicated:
{"hour": 1, "minute": 44}
